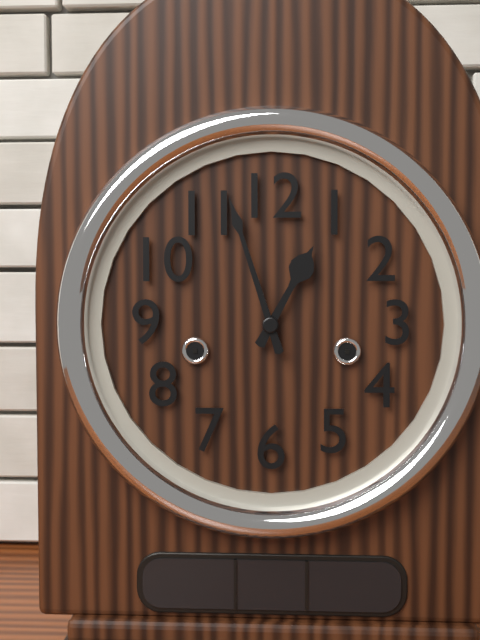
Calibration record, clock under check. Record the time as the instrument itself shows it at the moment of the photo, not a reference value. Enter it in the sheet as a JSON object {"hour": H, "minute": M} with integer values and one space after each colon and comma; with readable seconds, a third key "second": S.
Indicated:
{"hour": 12, "minute": 57}
